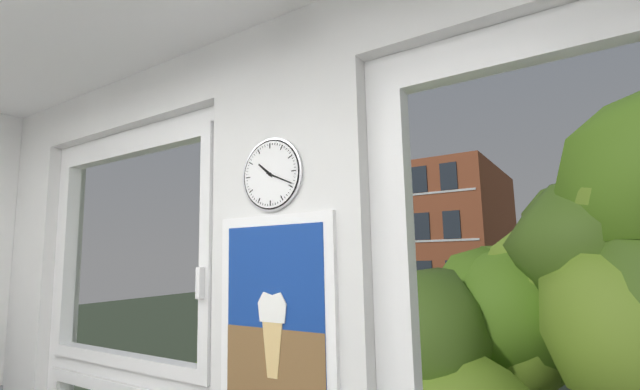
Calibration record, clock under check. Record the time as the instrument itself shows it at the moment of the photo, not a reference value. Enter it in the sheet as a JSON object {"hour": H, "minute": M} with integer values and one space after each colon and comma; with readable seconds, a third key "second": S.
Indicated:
{"hour": 10, "minute": 19}
